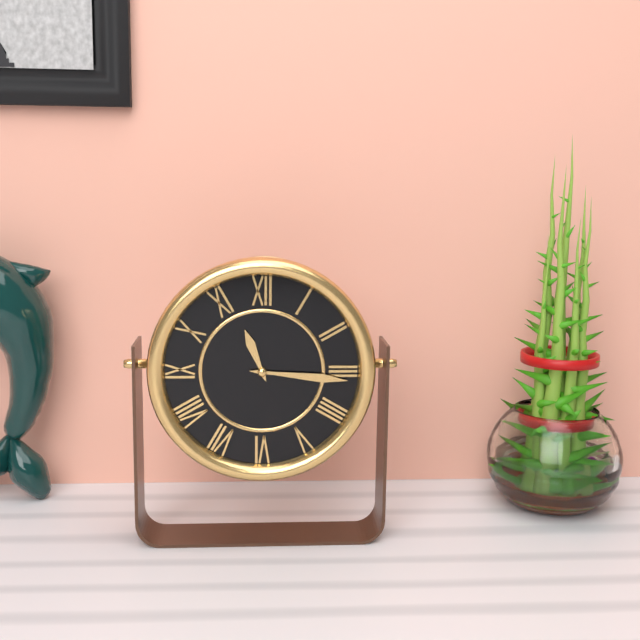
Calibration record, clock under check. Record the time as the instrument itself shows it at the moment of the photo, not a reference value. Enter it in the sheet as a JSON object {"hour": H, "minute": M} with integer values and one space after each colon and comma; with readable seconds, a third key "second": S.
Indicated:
{"hour": 11, "minute": 16}
